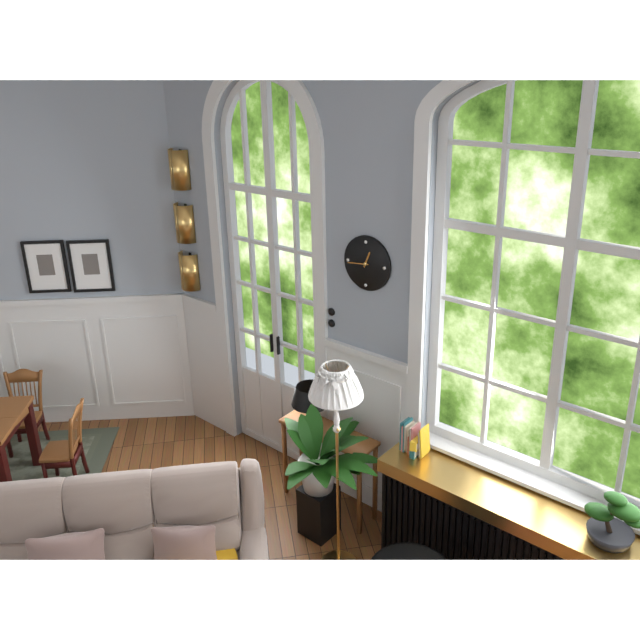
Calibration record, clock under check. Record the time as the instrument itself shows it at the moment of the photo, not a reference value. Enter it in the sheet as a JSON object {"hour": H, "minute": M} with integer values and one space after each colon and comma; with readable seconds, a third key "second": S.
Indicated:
{"hour": 12, "minute": 44}
